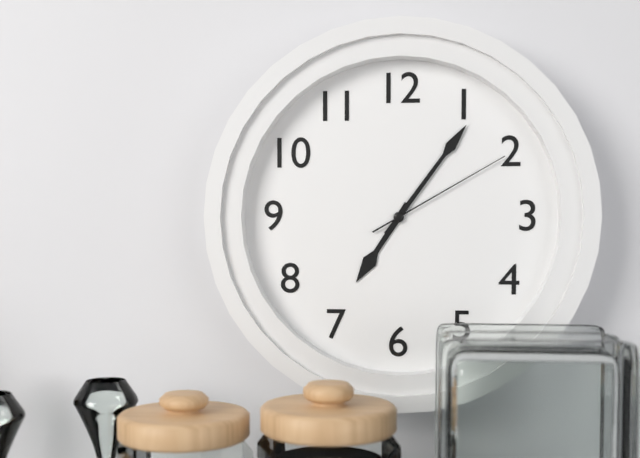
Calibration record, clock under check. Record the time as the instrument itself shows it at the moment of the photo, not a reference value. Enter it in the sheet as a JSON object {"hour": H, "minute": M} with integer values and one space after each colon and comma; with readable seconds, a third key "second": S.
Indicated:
{"hour": 7, "minute": 6, "second": 10}
